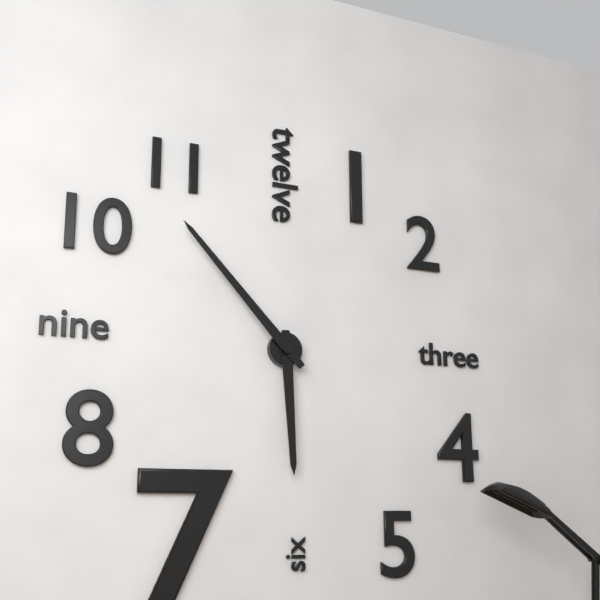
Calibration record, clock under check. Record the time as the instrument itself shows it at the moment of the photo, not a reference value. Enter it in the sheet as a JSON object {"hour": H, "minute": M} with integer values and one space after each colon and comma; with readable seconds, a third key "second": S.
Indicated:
{"hour": 5, "minute": 53}
